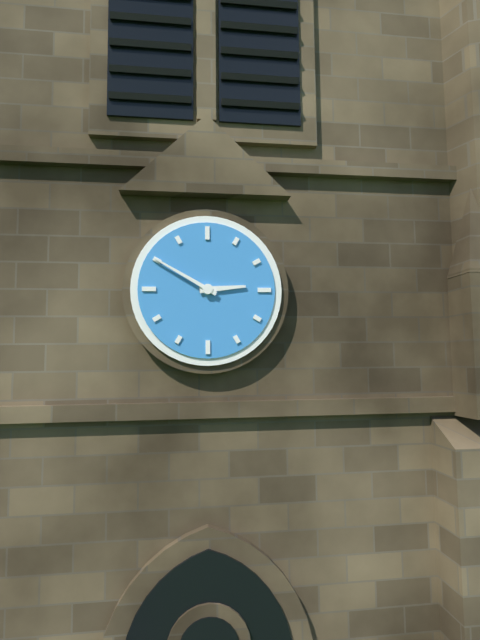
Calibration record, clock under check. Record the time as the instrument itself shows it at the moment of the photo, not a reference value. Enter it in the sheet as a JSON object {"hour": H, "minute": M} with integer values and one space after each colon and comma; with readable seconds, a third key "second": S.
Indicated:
{"hour": 2, "minute": 50}
